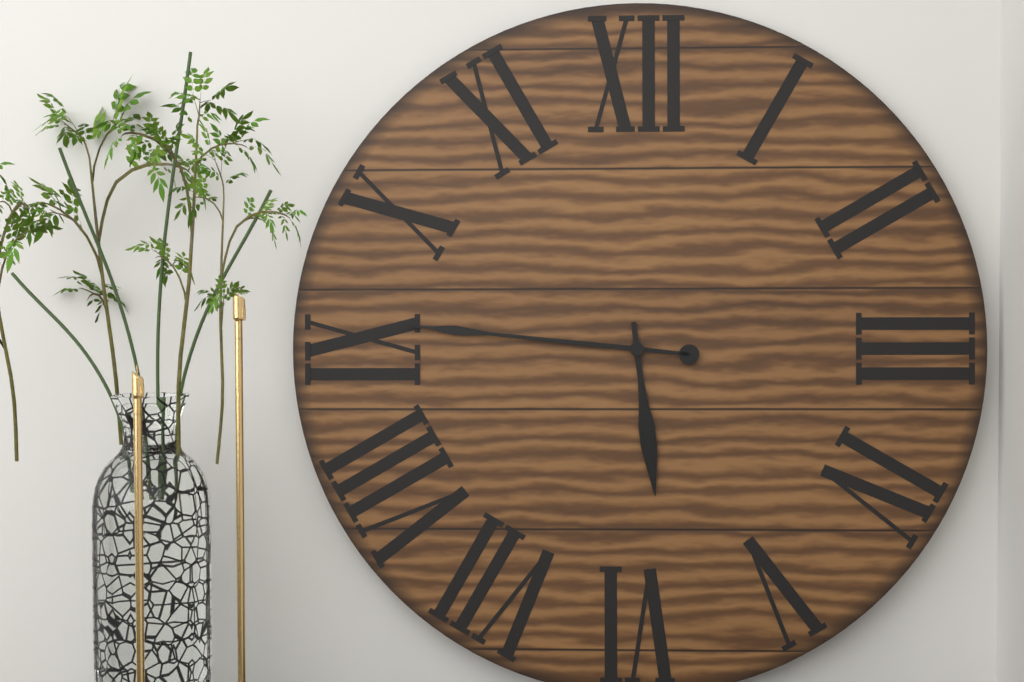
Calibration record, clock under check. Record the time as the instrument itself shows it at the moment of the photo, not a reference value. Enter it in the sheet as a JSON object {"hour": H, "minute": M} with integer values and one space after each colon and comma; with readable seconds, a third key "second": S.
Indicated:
{"hour": 5, "minute": 46}
